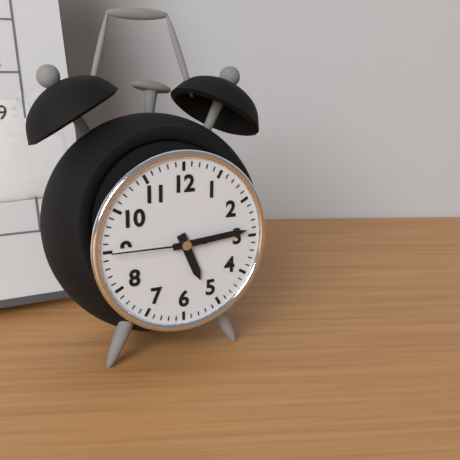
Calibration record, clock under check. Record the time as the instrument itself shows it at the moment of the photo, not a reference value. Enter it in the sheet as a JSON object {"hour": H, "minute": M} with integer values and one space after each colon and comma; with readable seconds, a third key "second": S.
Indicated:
{"hour": 5, "minute": 14, "second": 45}
